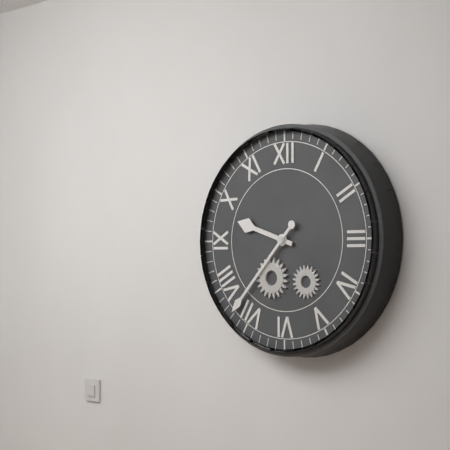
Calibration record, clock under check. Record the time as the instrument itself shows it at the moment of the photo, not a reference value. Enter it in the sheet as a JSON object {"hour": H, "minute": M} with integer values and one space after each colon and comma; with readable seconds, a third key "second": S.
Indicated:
{"hour": 9, "minute": 37}
